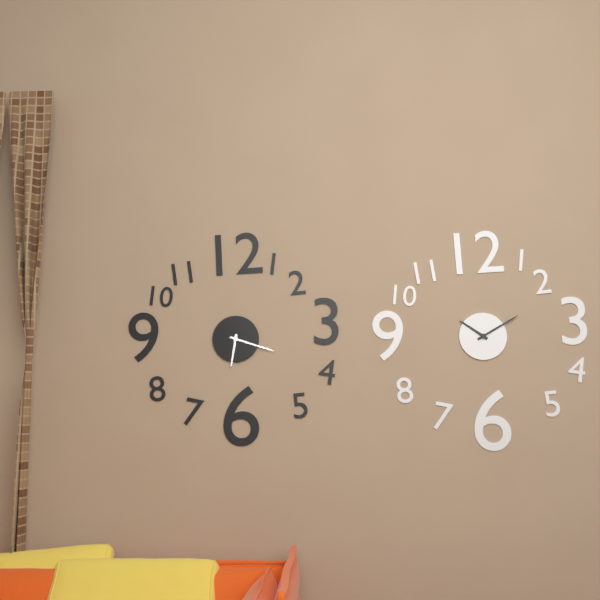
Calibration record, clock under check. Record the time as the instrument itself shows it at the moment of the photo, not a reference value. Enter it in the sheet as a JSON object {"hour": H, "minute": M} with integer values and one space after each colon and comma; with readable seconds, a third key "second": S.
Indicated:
{"hour": 6, "minute": 18}
